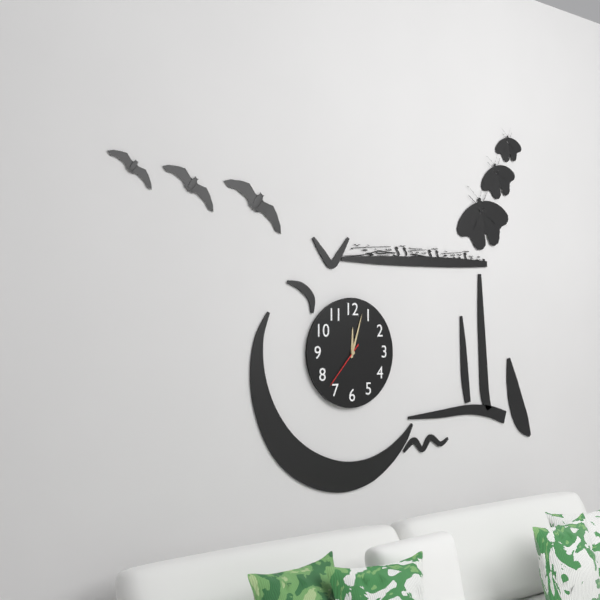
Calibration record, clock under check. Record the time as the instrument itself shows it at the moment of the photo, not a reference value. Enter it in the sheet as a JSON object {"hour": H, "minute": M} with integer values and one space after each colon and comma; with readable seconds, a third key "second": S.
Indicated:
{"hour": 12, "minute": 3, "second": 37}
